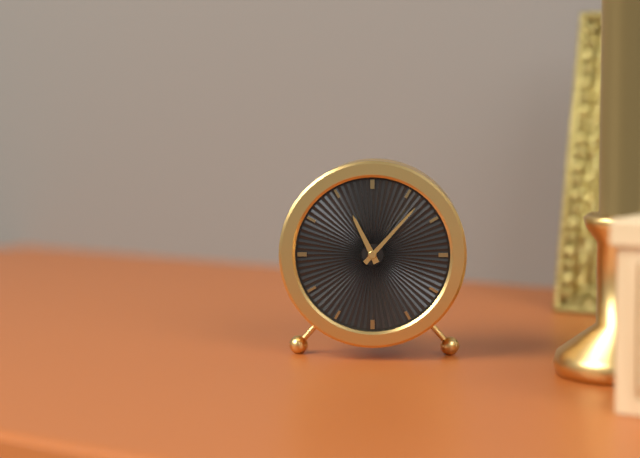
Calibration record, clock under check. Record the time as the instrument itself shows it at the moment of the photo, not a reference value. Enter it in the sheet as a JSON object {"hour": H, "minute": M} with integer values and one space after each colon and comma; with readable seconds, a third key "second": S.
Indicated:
{"hour": 11, "minute": 7}
